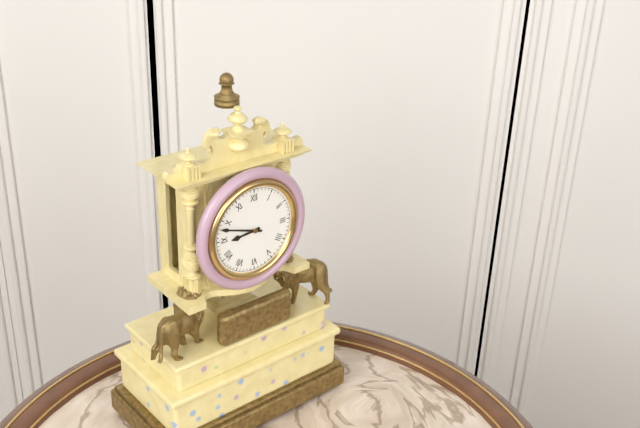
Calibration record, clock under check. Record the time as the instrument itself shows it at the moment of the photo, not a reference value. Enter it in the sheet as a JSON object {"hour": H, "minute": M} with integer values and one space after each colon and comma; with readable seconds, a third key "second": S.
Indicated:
{"hour": 8, "minute": 48}
